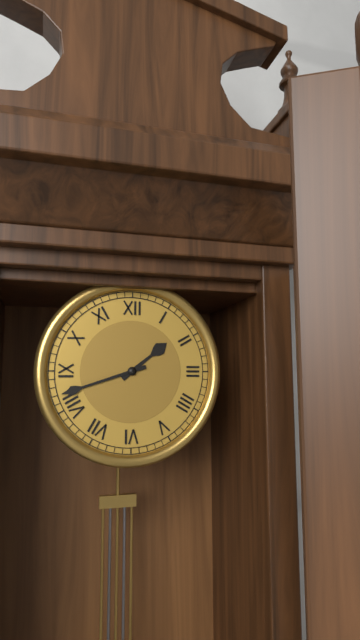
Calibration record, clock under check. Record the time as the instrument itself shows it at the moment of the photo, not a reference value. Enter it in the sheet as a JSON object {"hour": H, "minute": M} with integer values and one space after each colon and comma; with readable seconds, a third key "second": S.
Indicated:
{"hour": 1, "minute": 42}
